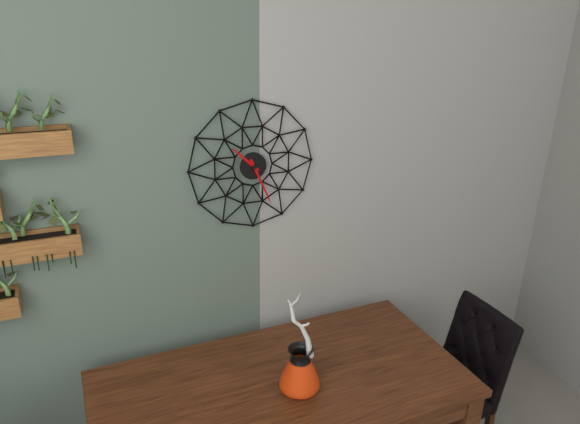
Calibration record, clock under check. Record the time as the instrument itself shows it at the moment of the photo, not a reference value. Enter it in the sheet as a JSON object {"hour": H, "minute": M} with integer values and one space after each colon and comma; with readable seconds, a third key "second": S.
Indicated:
{"hour": 10, "minute": 26}
